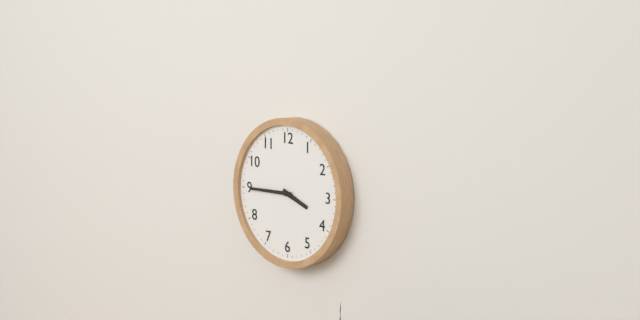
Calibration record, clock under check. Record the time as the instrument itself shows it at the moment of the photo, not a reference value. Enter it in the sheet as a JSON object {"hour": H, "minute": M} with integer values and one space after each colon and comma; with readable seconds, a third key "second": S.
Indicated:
{"hour": 3, "minute": 45}
